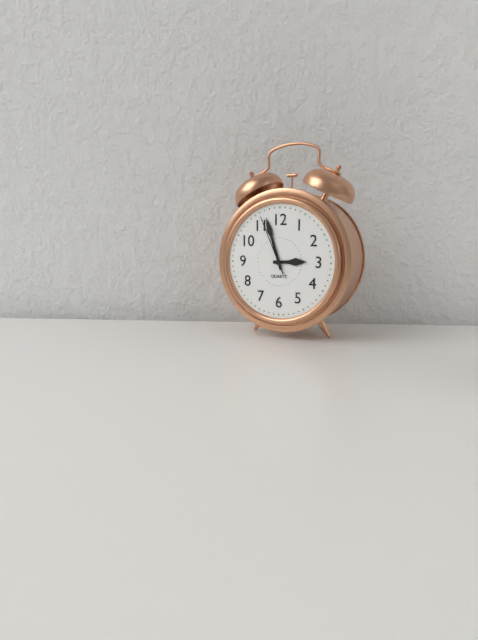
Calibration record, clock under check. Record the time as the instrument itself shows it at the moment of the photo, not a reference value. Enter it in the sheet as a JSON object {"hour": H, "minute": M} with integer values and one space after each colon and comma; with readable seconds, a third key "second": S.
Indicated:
{"hour": 2, "minute": 57, "second": 56}
